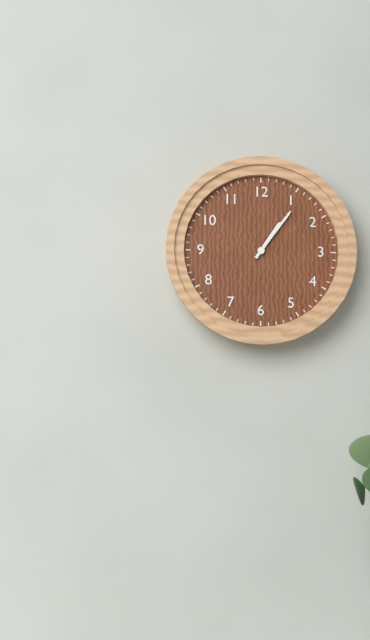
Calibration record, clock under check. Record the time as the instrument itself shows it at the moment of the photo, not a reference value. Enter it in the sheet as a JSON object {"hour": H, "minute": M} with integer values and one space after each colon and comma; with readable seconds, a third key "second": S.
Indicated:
{"hour": 1, "minute": 6}
